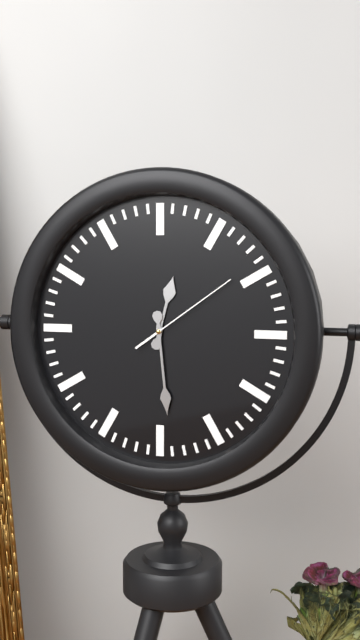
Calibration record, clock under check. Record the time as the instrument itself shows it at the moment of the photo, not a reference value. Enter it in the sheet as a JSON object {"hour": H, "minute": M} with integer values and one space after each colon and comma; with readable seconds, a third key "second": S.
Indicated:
{"hour": 12, "minute": 29, "second": 9}
